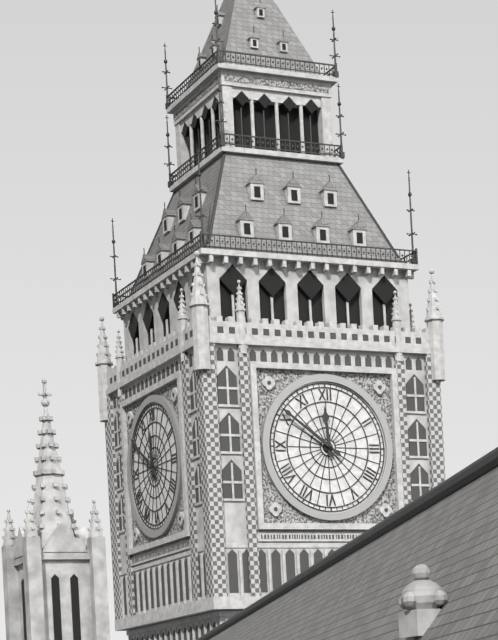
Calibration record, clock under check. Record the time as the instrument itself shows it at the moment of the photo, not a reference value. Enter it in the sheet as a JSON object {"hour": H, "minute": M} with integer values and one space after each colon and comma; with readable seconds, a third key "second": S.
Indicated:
{"hour": 11, "minute": 51}
